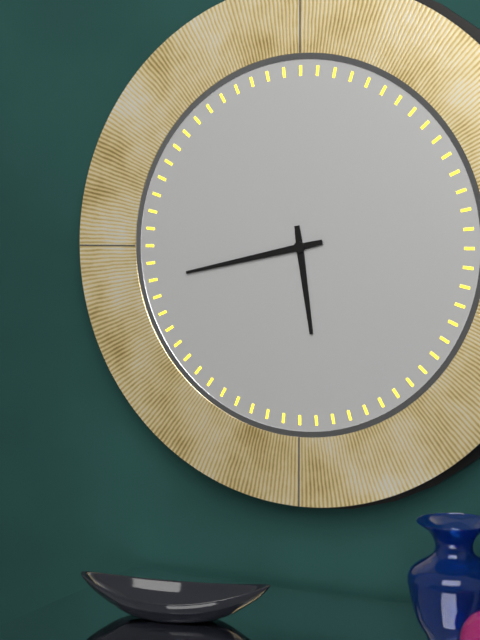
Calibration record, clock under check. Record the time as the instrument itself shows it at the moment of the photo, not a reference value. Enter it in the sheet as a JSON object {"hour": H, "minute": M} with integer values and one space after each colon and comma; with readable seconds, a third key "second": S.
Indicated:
{"hour": 5, "minute": 43}
